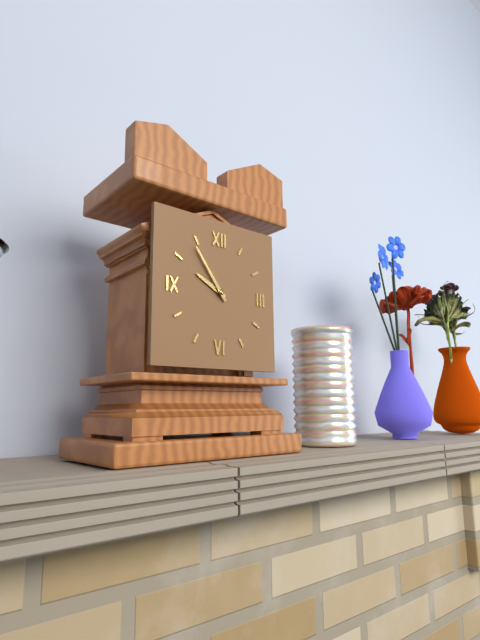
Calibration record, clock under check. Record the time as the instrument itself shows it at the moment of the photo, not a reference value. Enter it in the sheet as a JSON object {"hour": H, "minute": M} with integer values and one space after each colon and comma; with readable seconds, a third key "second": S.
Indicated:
{"hour": 9, "minute": 54}
